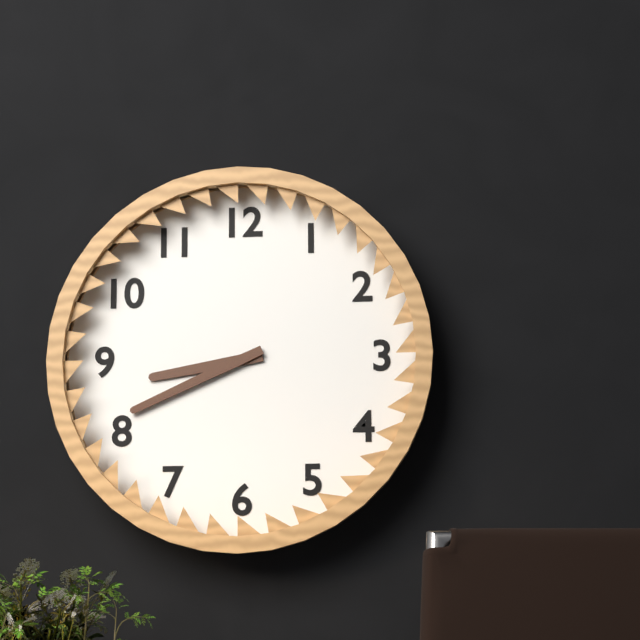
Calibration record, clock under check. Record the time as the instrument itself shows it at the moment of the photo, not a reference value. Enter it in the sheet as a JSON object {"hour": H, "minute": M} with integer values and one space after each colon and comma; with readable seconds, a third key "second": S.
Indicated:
{"hour": 8, "minute": 41}
